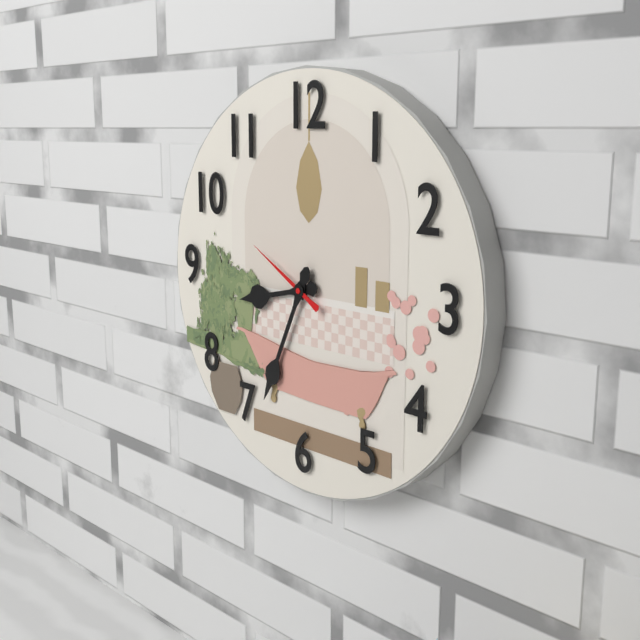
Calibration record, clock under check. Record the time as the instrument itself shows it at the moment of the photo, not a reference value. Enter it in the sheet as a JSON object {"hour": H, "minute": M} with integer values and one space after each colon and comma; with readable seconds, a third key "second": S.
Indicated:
{"hour": 8, "minute": 34, "second": 50}
